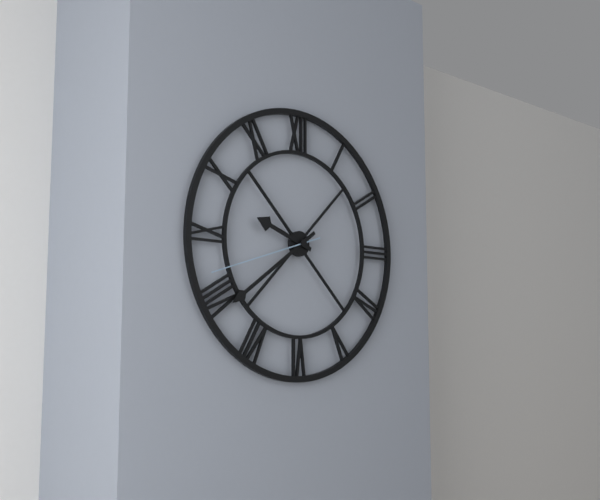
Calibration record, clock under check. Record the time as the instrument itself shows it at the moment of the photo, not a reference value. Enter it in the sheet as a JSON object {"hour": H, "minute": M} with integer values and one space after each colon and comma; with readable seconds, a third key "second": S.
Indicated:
{"hour": 9, "minute": 39, "second": 42}
